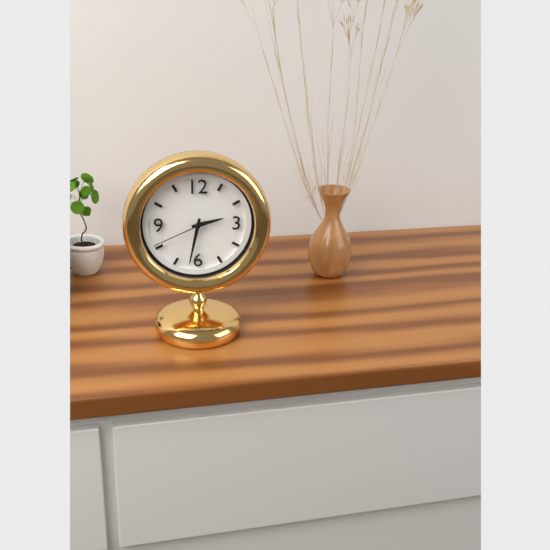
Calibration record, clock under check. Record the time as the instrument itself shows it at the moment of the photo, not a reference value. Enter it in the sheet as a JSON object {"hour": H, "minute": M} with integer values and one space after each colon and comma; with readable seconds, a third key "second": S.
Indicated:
{"hour": 2, "minute": 32, "second": 41}
